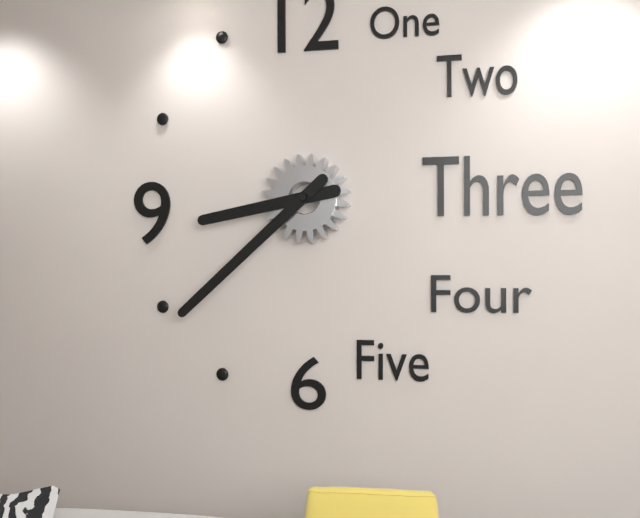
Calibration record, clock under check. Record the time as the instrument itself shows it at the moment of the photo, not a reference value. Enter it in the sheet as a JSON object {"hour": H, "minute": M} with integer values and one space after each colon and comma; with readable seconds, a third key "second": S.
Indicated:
{"hour": 8, "minute": 38}
